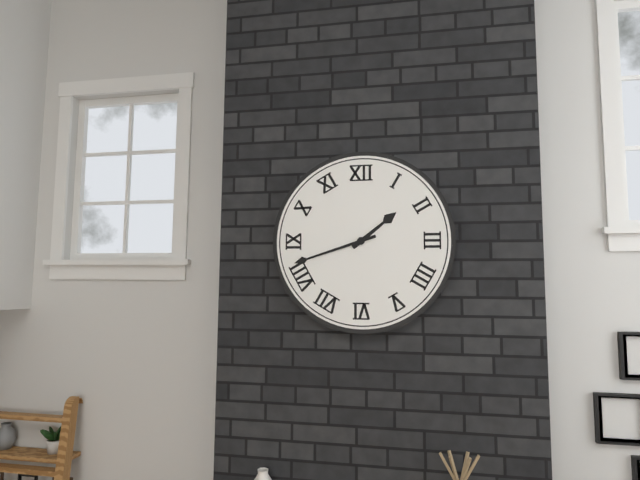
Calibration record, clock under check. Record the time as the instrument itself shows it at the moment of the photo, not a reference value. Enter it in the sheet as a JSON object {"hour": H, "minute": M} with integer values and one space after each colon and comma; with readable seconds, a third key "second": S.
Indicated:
{"hour": 1, "minute": 42}
